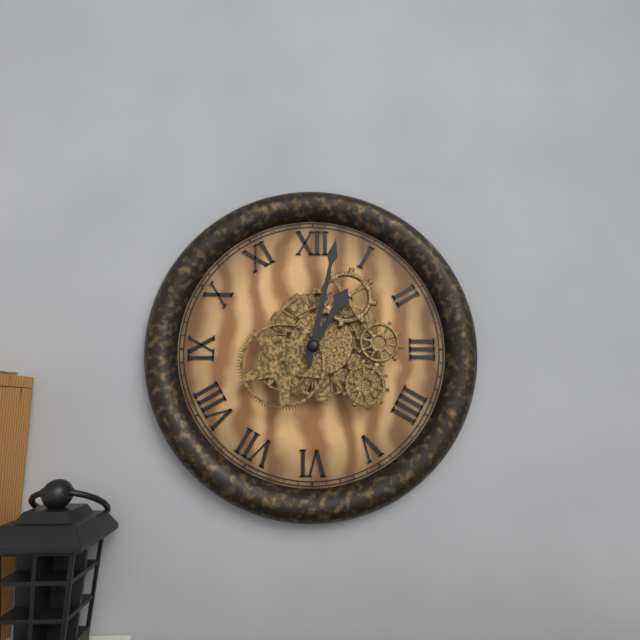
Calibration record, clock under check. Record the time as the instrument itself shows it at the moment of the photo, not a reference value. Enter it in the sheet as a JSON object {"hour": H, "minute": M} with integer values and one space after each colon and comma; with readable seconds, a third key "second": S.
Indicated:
{"hour": 1, "minute": 2}
